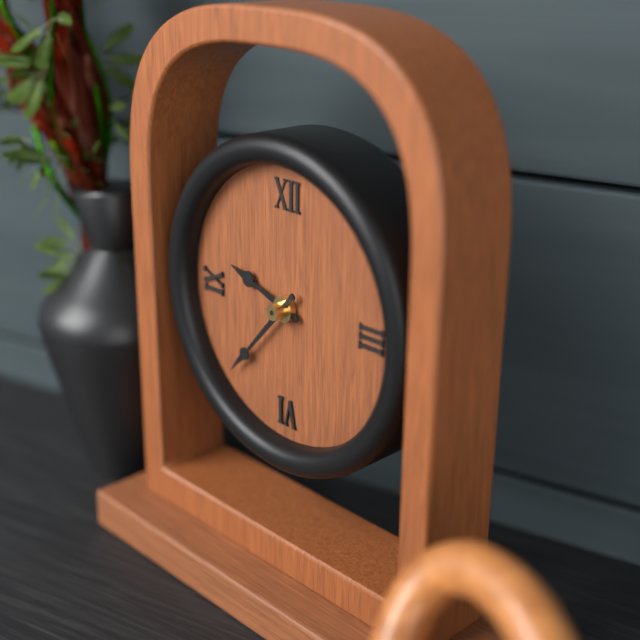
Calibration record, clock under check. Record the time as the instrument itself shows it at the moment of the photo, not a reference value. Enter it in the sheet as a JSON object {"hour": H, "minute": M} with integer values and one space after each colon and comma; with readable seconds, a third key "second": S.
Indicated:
{"hour": 9, "minute": 37}
